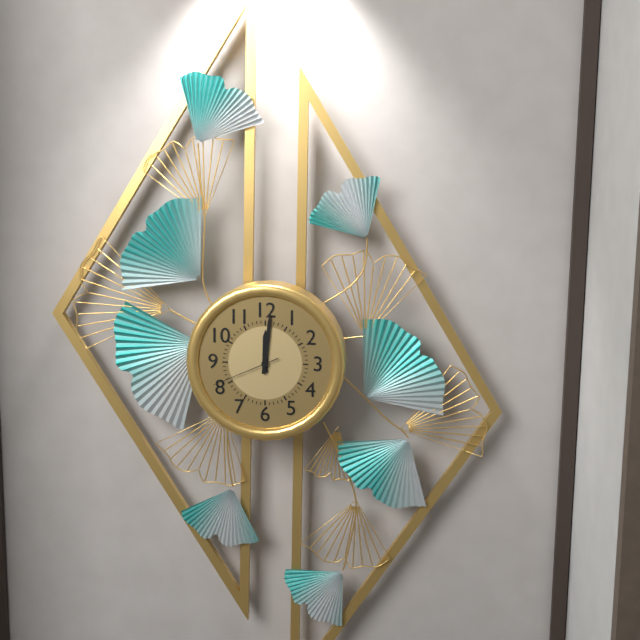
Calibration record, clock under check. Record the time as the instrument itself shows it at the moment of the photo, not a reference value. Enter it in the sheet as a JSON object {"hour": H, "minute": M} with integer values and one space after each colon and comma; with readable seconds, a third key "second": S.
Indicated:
{"hour": 12, "minute": 1, "second": 41}
